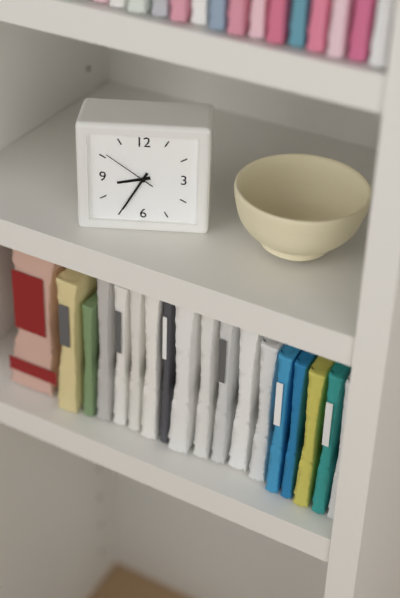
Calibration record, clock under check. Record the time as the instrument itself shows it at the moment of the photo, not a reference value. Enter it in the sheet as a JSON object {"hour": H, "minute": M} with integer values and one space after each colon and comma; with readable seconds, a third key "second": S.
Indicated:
{"hour": 8, "minute": 35, "second": 51}
